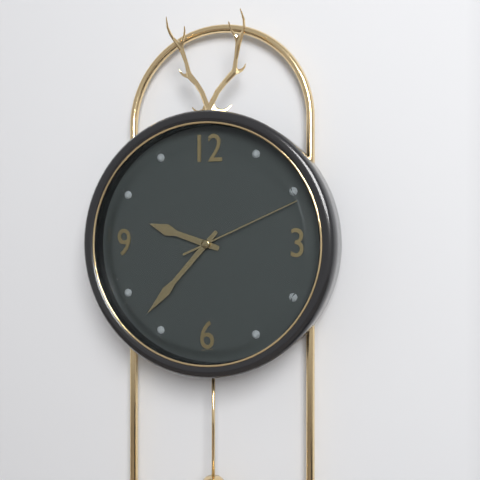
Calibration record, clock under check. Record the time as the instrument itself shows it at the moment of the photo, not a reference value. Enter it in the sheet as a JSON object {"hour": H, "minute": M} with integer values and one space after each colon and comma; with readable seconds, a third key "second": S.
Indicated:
{"hour": 9, "minute": 37, "second": 11}
